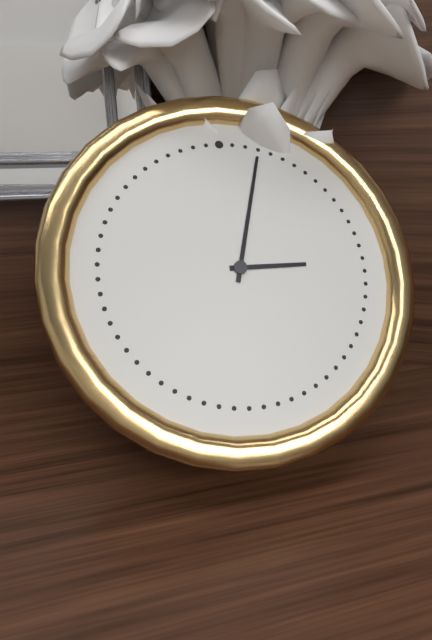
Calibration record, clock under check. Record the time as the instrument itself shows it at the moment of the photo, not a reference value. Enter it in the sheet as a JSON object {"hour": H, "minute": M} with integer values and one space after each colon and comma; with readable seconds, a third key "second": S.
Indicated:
{"hour": 3, "minute": 3}
